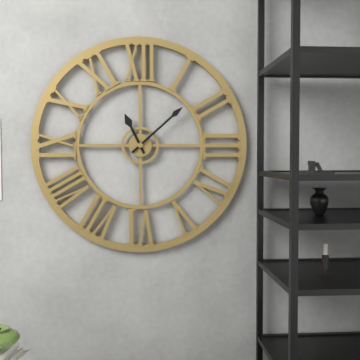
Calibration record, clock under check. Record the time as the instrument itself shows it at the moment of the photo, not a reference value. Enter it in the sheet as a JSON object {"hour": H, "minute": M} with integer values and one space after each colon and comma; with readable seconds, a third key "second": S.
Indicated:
{"hour": 11, "minute": 8}
